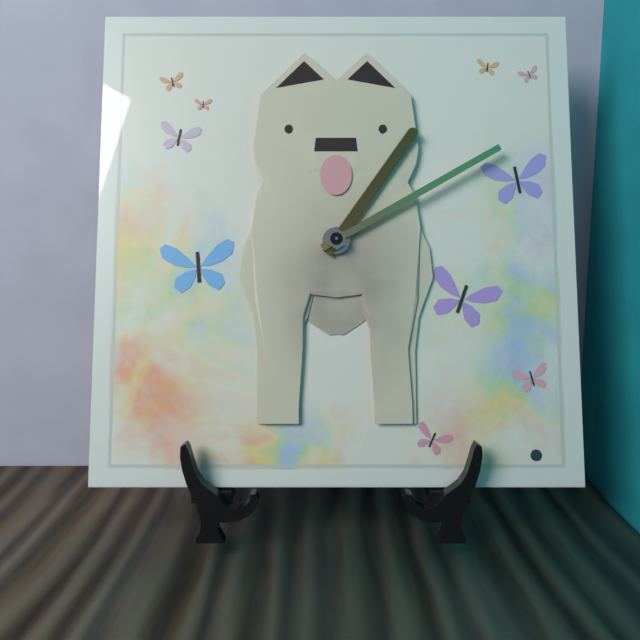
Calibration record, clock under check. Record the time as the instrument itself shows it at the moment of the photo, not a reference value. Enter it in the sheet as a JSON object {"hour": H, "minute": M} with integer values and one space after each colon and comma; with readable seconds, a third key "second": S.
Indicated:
{"hour": 1, "minute": 10}
